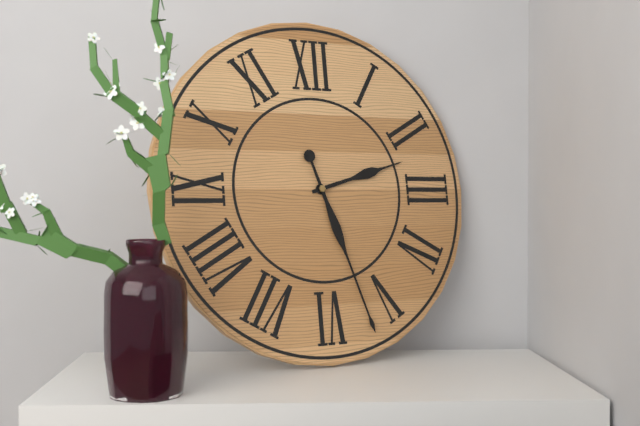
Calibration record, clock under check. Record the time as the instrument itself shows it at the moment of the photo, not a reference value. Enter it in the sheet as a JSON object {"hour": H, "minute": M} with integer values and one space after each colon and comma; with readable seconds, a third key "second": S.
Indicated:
{"hour": 2, "minute": 27}
